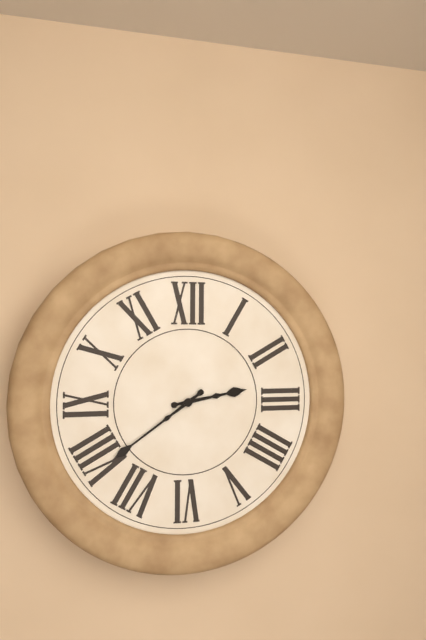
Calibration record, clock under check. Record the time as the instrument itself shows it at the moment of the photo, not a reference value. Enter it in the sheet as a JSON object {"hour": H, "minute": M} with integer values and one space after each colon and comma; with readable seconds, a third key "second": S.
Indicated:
{"hour": 2, "minute": 39}
